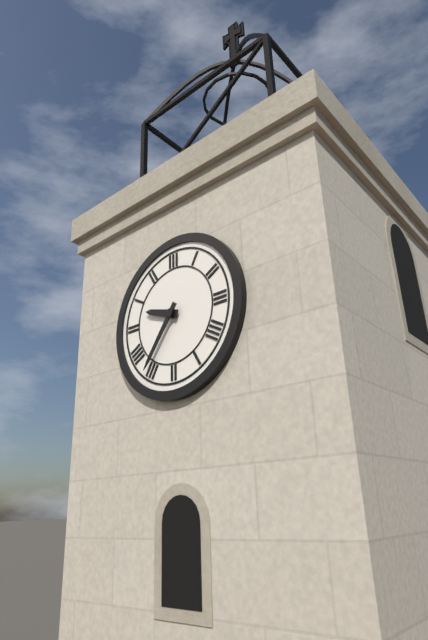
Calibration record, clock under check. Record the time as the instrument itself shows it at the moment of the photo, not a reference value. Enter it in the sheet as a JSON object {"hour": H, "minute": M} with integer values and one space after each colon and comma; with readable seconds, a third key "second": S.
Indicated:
{"hour": 9, "minute": 36}
